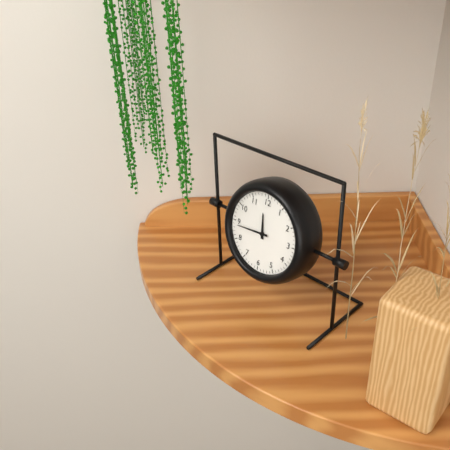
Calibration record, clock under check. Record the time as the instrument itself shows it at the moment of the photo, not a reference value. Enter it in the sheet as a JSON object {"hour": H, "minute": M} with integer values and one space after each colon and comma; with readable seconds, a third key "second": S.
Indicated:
{"hour": 11, "minute": 44}
